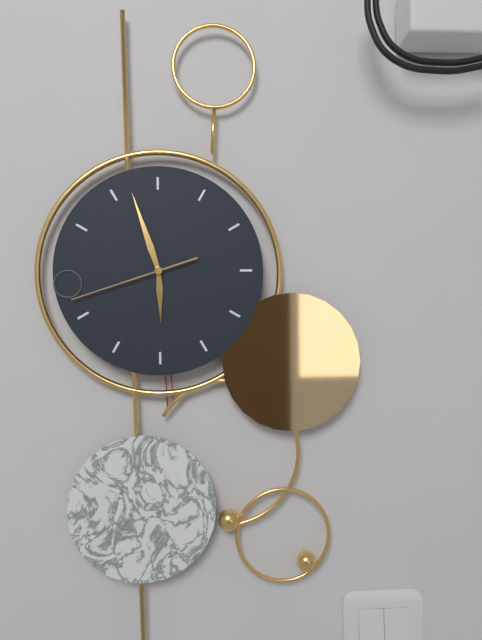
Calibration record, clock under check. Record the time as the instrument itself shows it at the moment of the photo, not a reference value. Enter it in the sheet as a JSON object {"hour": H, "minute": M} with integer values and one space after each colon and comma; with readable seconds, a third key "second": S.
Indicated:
{"hour": 5, "minute": 57, "second": 42}
